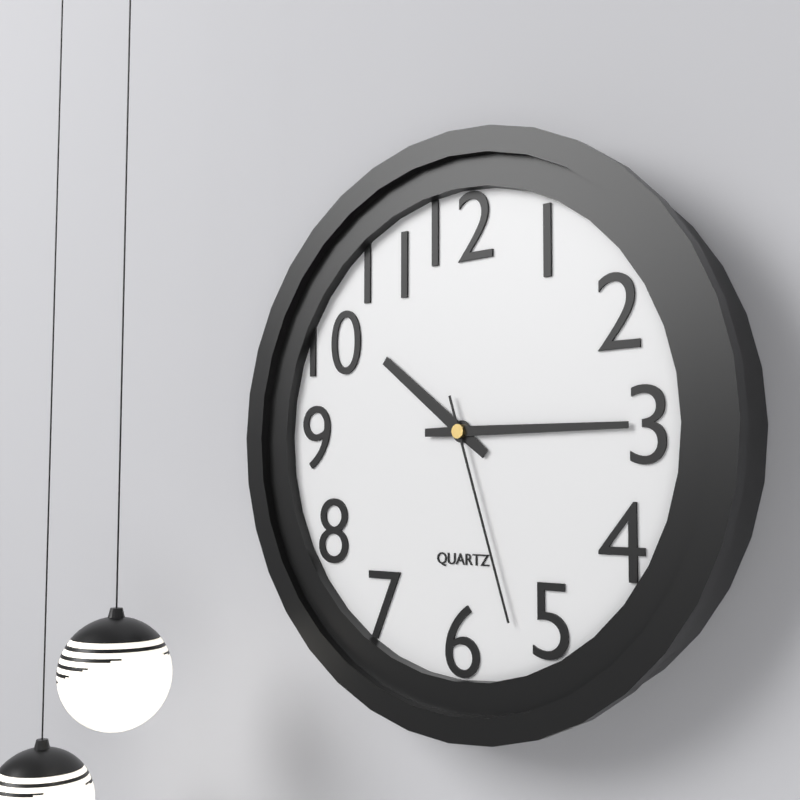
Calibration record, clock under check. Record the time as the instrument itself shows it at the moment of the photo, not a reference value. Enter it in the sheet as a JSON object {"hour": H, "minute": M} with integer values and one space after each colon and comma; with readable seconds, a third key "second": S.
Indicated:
{"hour": 10, "minute": 15, "second": 27}
